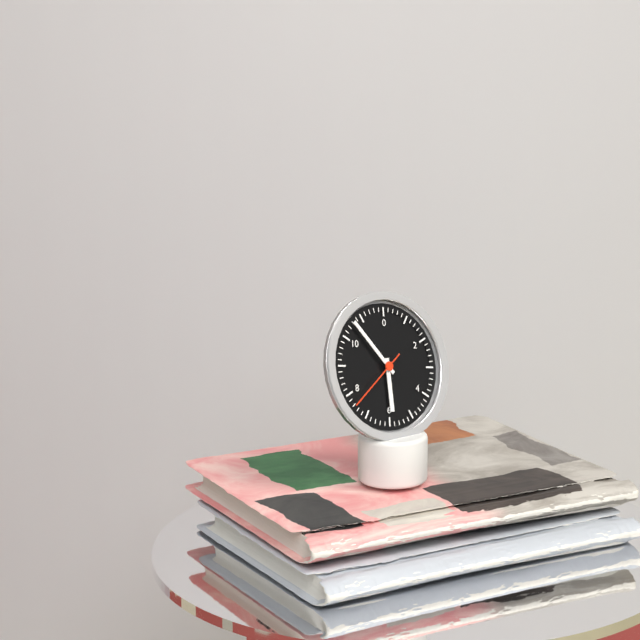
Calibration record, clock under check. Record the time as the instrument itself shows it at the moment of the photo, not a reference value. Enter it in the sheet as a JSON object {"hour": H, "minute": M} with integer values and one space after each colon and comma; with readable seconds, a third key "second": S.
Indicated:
{"hour": 5, "minute": 53, "second": 38}
